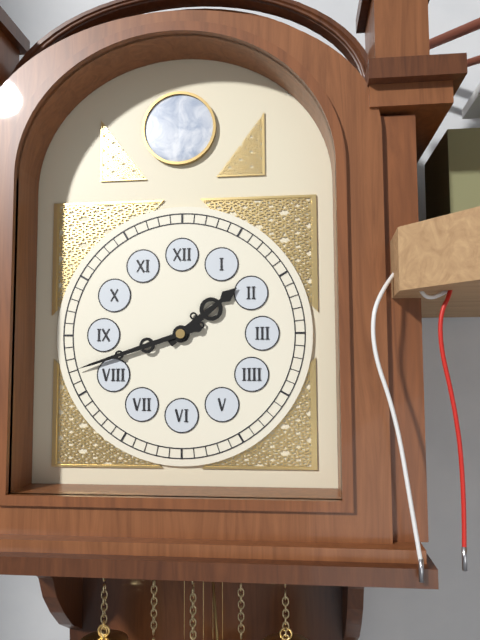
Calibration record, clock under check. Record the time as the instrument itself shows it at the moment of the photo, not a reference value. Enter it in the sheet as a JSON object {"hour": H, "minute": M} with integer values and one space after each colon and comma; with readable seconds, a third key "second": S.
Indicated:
{"hour": 1, "minute": 42}
